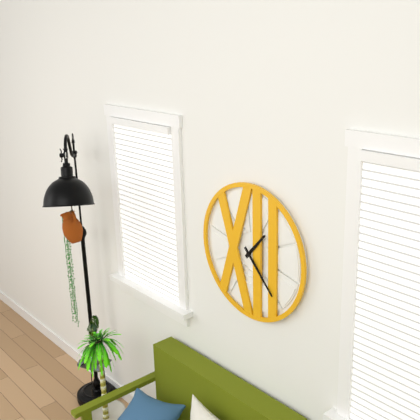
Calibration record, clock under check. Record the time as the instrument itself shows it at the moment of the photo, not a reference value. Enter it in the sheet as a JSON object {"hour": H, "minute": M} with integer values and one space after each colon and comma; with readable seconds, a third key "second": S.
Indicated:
{"hour": 1, "minute": 23}
